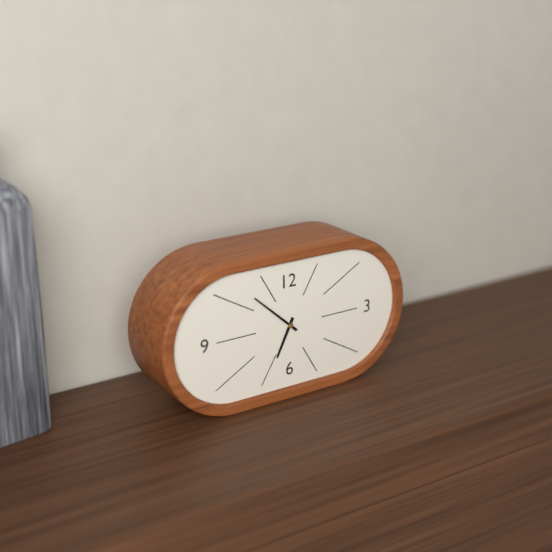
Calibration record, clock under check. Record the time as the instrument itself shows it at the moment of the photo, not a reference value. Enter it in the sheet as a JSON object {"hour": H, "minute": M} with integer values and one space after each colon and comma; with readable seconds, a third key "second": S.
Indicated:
{"hour": 6, "minute": 52}
